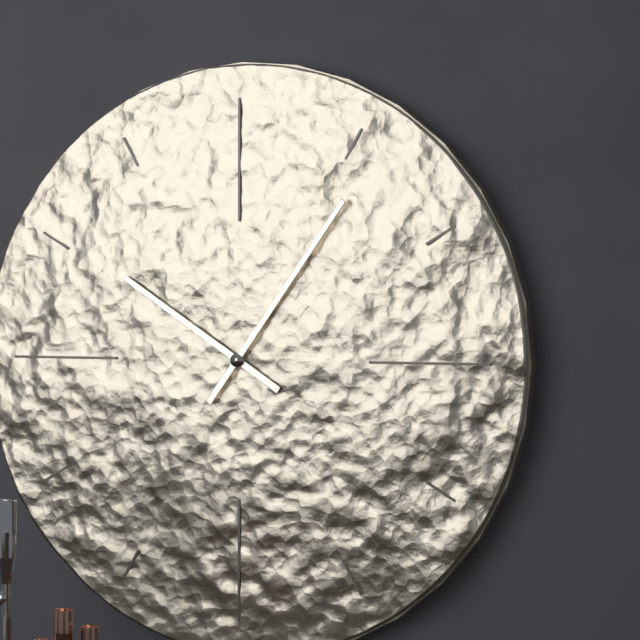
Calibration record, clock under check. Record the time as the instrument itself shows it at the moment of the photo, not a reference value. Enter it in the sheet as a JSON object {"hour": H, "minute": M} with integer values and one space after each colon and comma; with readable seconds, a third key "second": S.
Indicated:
{"hour": 10, "minute": 6}
